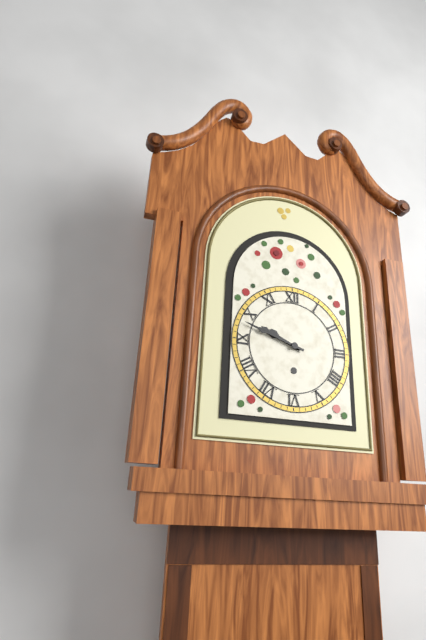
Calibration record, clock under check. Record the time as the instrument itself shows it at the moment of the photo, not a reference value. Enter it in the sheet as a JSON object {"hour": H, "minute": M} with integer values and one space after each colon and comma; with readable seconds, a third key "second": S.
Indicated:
{"hour": 9, "minute": 48}
